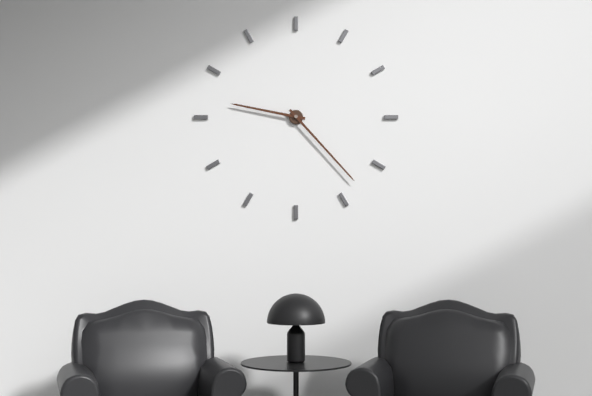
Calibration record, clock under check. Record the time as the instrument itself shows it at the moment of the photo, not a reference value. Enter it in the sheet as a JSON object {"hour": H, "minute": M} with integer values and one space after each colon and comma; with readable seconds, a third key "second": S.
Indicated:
{"hour": 9, "minute": 23}
